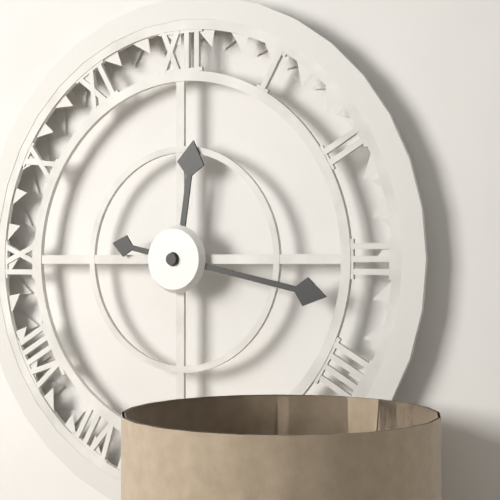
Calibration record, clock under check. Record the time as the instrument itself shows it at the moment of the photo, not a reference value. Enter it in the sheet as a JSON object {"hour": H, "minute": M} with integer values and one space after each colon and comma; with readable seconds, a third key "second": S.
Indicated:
{"hour": 12, "minute": 17}
